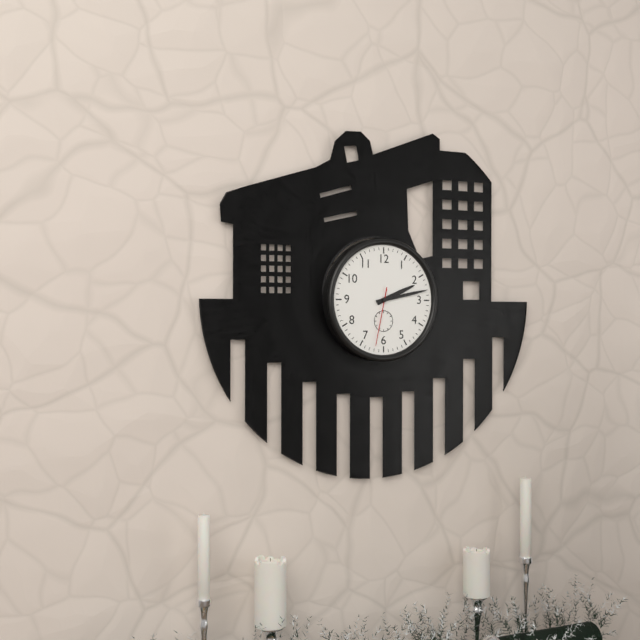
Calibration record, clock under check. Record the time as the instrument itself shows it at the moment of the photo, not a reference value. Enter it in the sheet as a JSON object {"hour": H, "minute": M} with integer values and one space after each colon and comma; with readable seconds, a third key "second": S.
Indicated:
{"hour": 2, "minute": 13, "second": 32}
